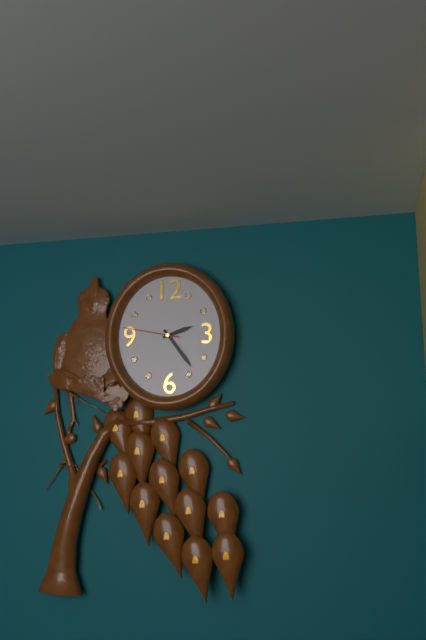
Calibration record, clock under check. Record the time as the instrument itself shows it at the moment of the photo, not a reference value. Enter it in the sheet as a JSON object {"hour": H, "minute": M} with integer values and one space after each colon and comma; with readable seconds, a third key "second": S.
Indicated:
{"hour": 2, "minute": 24, "second": 47}
